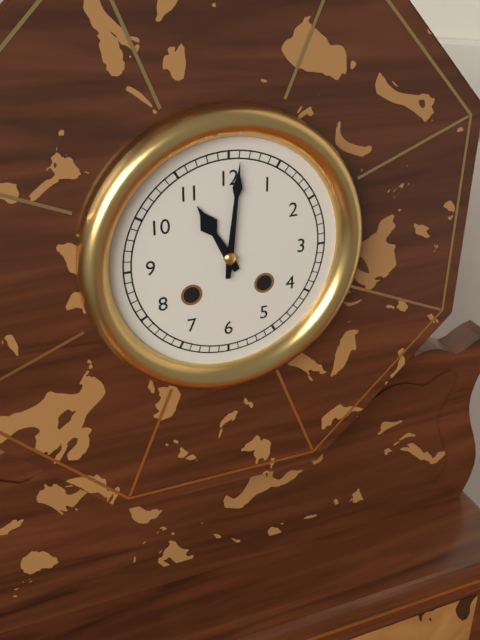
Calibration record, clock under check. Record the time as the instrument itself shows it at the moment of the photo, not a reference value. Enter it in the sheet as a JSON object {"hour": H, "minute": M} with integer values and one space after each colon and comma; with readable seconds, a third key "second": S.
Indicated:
{"hour": 11, "minute": 1}
